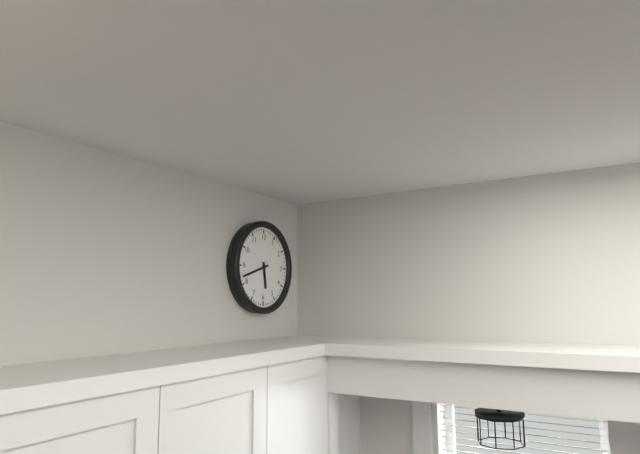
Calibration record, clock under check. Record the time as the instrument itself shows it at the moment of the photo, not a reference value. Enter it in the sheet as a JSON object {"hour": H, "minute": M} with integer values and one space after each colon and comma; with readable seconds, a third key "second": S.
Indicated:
{"hour": 5, "minute": 42}
